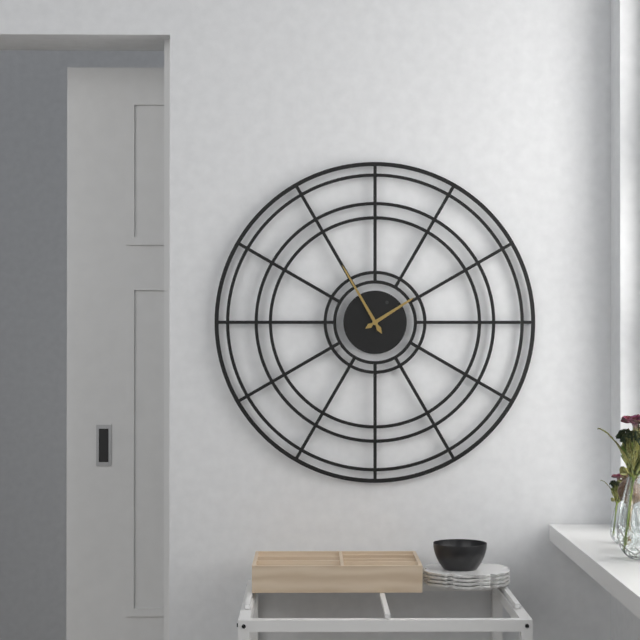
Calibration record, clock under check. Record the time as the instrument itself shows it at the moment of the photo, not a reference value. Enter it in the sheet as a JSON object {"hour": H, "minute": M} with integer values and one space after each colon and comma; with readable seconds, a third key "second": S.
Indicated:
{"hour": 1, "minute": 55}
